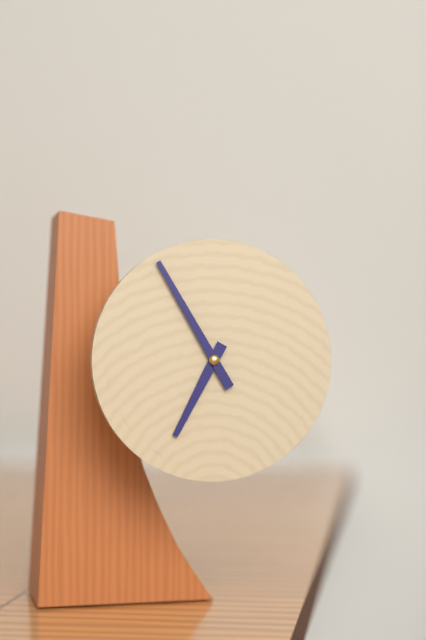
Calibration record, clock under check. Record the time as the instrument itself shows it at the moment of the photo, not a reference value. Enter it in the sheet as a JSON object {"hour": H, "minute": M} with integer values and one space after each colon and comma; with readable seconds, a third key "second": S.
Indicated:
{"hour": 6, "minute": 55}
